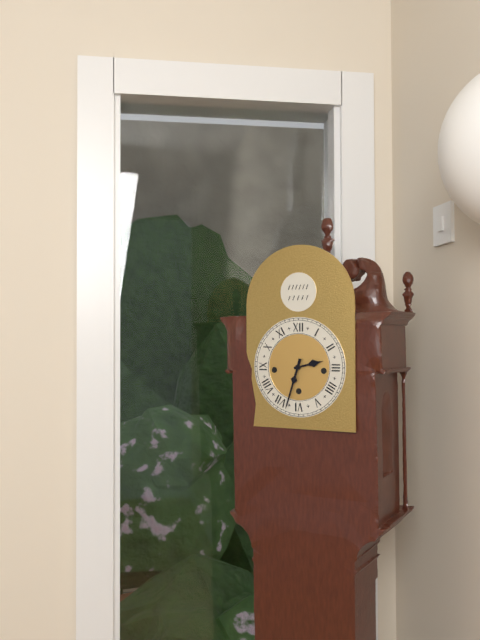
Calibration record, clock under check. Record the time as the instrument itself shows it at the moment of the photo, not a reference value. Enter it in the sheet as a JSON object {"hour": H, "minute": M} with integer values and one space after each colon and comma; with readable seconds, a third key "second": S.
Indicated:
{"hour": 2, "minute": 33}
